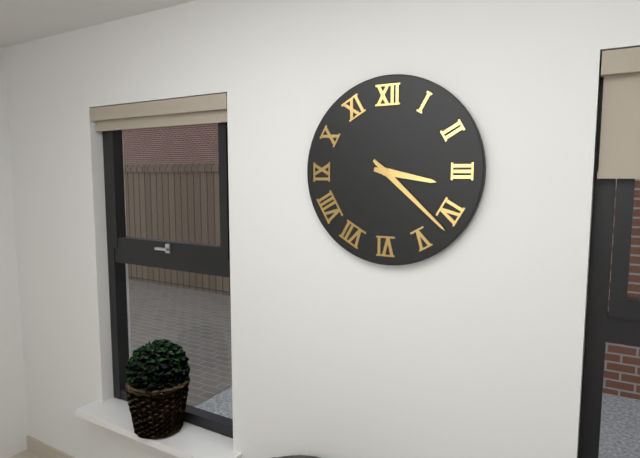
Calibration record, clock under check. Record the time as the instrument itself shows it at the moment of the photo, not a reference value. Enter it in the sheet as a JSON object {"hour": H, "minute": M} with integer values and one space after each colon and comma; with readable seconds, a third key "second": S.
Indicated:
{"hour": 3, "minute": 22}
